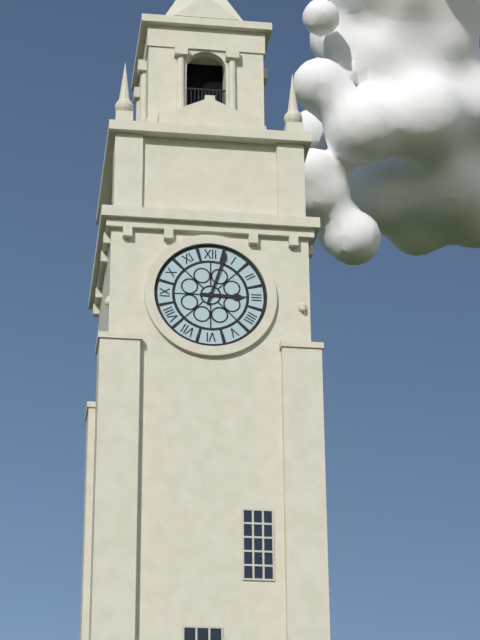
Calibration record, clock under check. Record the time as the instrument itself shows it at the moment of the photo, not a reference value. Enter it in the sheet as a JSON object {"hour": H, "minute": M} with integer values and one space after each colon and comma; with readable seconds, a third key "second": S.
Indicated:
{"hour": 3, "minute": 3}
